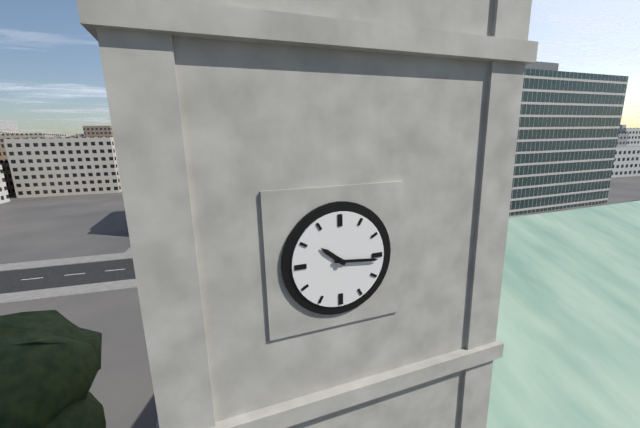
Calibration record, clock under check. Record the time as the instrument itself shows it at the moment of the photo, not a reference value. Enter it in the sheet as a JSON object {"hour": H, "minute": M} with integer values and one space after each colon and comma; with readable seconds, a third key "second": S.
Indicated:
{"hour": 10, "minute": 16}
